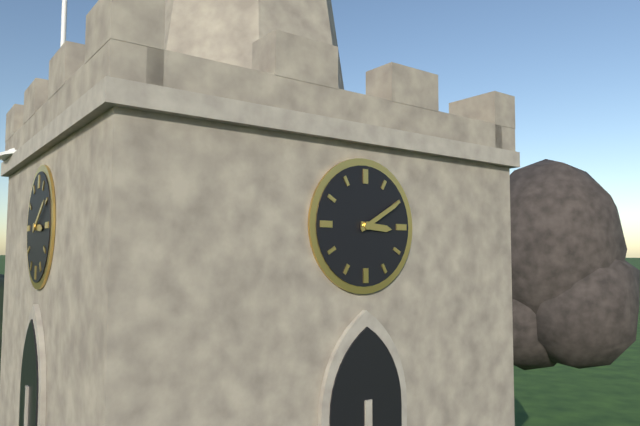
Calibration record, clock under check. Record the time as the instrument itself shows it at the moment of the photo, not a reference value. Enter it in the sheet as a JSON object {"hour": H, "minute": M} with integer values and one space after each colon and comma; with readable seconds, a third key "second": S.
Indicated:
{"hour": 3, "minute": 10}
